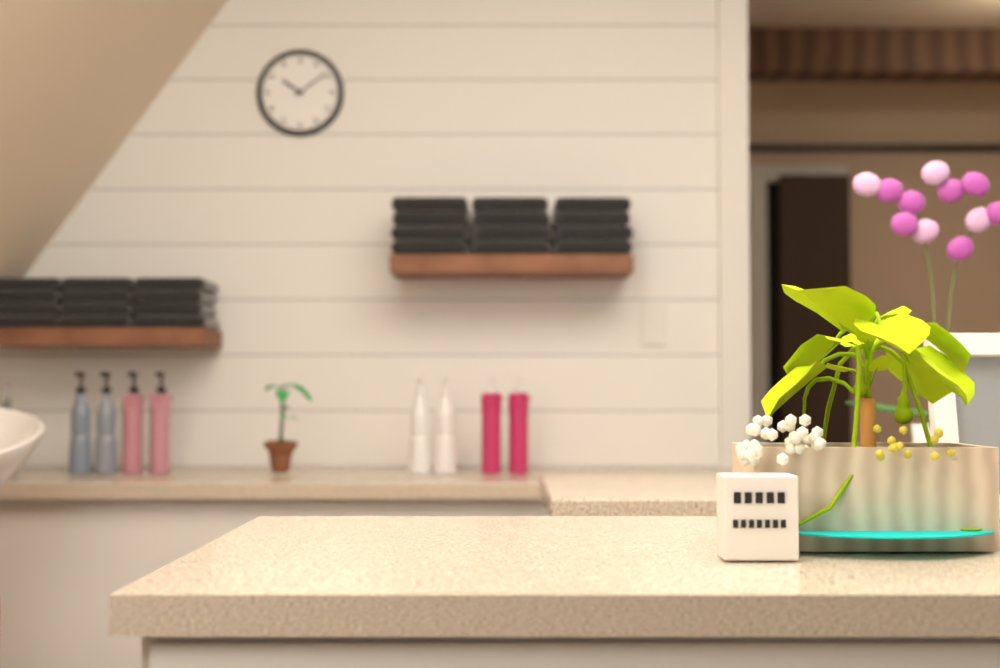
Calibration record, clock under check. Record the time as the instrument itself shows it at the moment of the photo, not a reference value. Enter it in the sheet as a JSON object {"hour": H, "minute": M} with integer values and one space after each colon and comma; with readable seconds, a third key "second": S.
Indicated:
{"hour": 10, "minute": 9}
